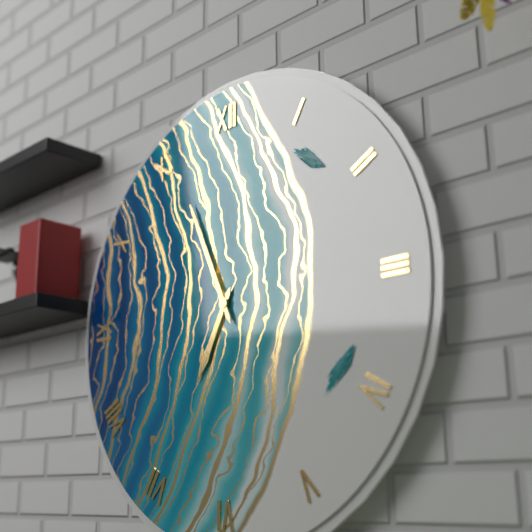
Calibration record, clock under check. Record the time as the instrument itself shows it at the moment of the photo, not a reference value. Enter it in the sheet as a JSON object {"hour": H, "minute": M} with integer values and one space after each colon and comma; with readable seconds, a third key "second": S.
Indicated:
{"hour": 6, "minute": 56}
